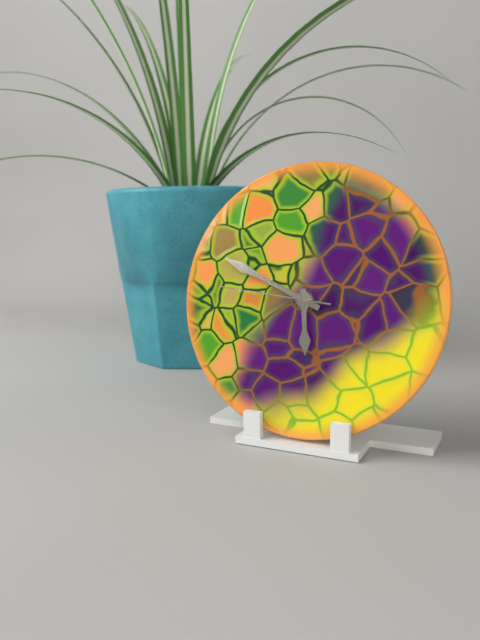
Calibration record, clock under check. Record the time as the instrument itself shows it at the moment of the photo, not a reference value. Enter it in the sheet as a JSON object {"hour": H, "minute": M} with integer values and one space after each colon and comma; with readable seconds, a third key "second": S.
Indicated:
{"hour": 5, "minute": 49, "second": 46}
